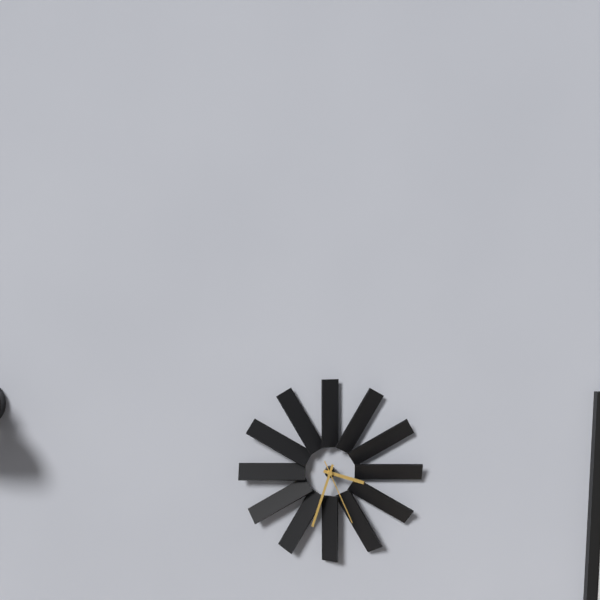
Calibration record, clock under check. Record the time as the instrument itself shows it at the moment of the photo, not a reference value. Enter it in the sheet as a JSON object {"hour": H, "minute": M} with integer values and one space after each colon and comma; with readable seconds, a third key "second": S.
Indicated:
{"hour": 3, "minute": 33, "second": 26}
